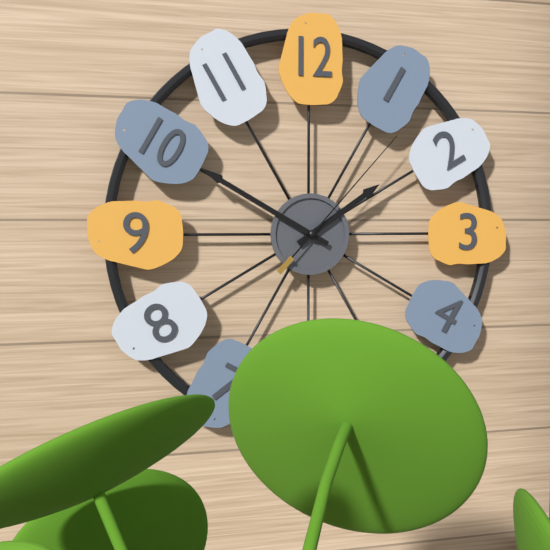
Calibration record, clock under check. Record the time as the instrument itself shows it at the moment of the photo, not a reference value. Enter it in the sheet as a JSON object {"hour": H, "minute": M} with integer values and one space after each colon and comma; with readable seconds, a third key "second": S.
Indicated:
{"hour": 1, "minute": 50, "second": 7}
